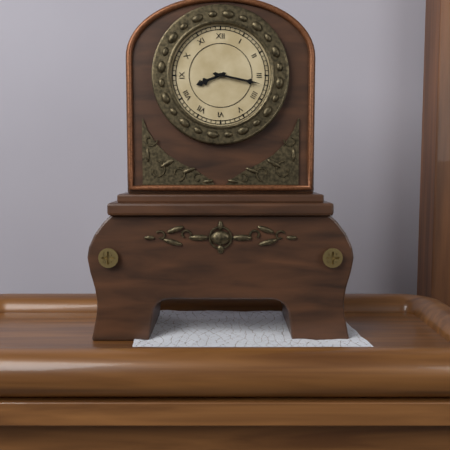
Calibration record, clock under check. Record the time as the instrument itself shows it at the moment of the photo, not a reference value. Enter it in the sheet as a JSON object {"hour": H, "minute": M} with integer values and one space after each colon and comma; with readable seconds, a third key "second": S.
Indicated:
{"hour": 8, "minute": 17}
